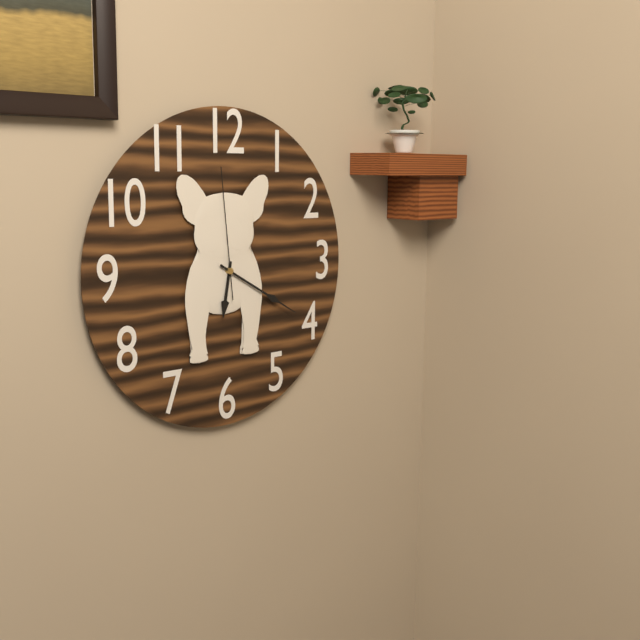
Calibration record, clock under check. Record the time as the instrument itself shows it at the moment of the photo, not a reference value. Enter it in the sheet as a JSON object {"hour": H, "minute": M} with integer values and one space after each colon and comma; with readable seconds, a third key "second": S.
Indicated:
{"hour": 6, "minute": 20, "second": 59}
